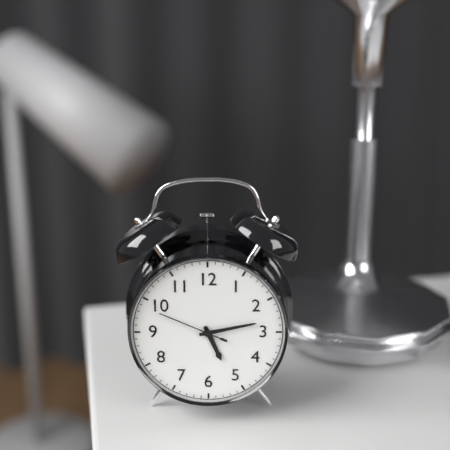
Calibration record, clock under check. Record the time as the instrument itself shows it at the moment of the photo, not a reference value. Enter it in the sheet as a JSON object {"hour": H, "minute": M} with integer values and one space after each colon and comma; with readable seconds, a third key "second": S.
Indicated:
{"hour": 5, "minute": 13, "second": 49}
